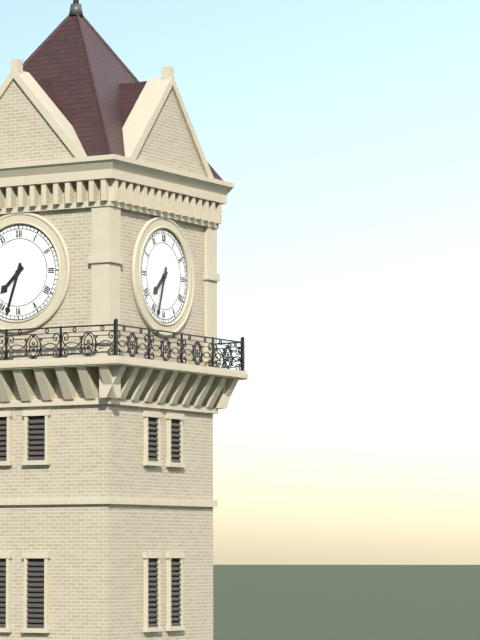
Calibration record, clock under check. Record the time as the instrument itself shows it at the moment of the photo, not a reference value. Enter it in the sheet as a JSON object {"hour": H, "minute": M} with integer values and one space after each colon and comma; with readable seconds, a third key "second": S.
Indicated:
{"hour": 7, "minute": 33}
